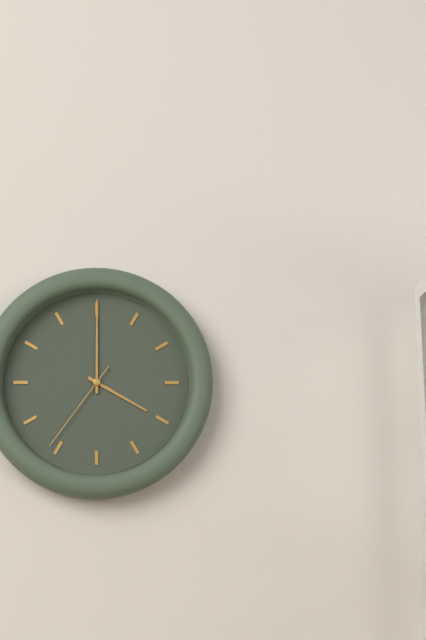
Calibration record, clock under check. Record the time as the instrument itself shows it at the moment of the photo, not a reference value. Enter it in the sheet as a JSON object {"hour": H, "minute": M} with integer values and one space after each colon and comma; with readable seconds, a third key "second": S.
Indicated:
{"hour": 4, "minute": 0, "second": 36}
